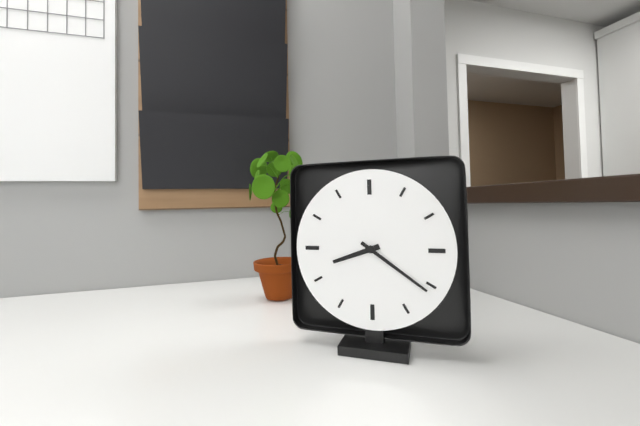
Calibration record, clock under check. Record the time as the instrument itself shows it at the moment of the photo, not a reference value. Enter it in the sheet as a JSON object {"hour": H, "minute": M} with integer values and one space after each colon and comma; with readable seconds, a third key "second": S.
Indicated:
{"hour": 8, "minute": 21}
